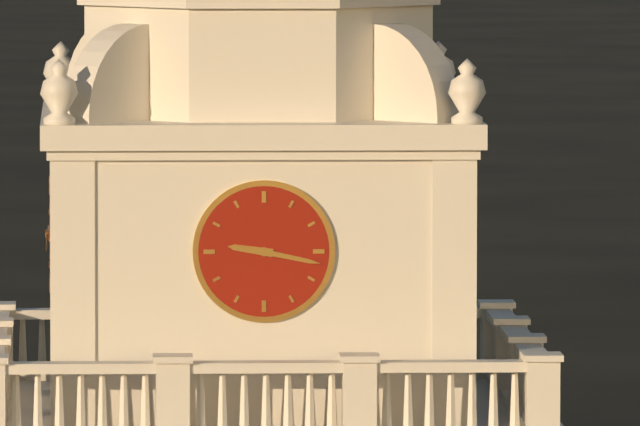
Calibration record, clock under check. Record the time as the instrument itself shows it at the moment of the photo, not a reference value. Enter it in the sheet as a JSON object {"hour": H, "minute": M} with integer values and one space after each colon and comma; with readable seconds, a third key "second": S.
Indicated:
{"hour": 9, "minute": 17}
